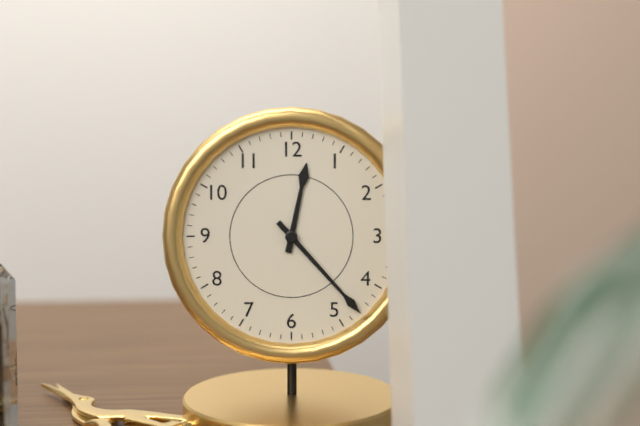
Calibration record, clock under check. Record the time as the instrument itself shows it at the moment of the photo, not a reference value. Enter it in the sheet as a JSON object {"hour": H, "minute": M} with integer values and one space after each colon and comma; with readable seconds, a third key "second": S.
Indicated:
{"hour": 12, "minute": 23}
